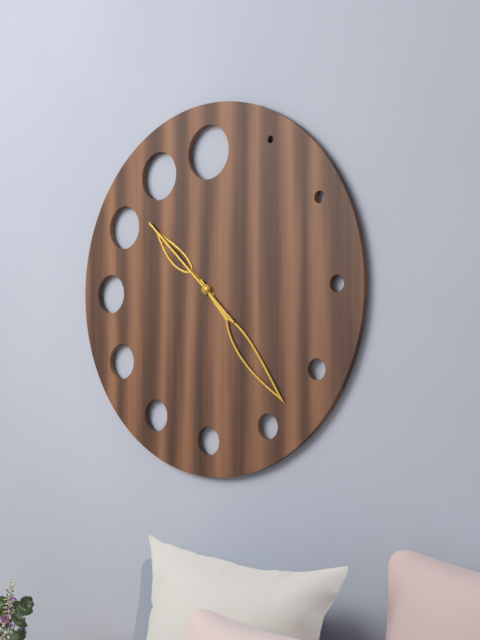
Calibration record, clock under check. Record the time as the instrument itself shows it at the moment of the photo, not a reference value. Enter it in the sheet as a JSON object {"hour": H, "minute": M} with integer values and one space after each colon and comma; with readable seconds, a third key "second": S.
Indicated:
{"hour": 10, "minute": 23, "second": 52}
